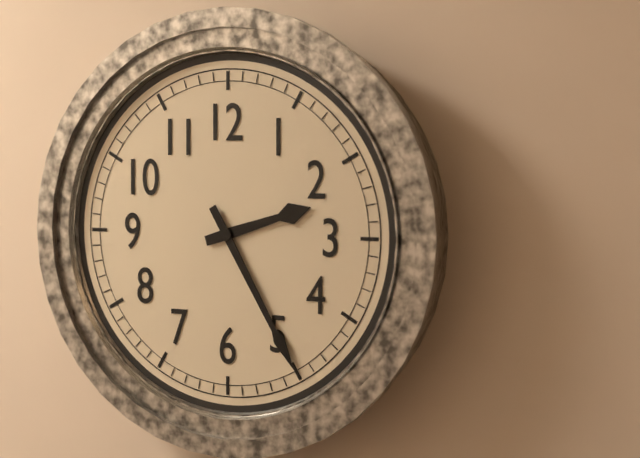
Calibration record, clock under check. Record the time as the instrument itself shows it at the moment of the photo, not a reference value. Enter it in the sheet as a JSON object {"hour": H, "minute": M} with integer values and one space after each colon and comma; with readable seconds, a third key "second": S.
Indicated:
{"hour": 2, "minute": 25}
